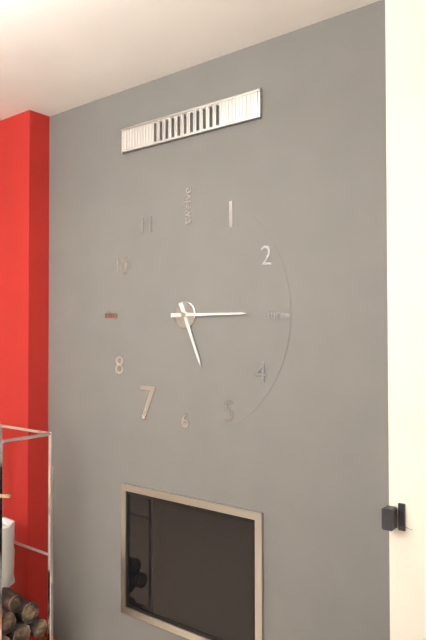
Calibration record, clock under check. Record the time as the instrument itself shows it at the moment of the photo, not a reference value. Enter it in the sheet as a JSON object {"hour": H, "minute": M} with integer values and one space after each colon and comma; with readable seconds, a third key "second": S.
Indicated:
{"hour": 5, "minute": 15}
